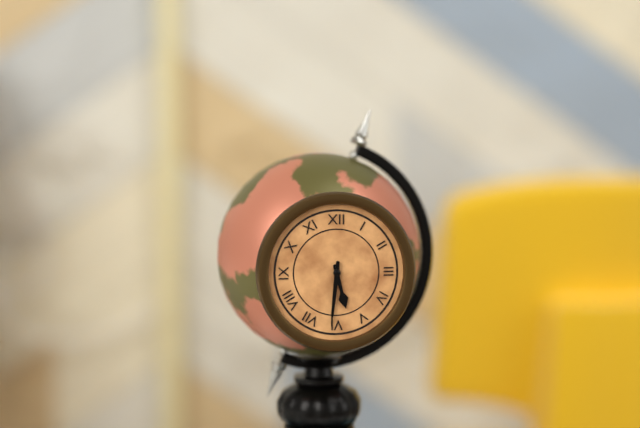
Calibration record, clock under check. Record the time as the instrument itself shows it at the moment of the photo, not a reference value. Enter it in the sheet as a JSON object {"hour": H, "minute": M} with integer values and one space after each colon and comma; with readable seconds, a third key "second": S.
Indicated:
{"hour": 5, "minute": 31}
